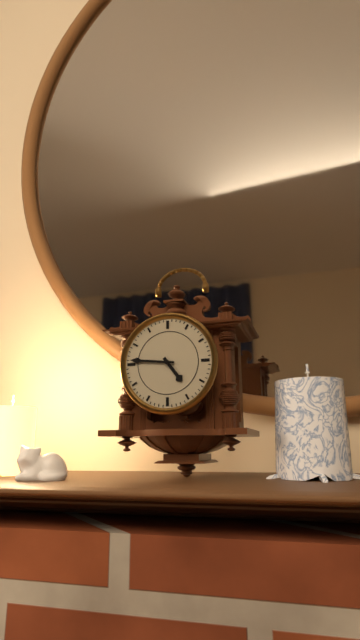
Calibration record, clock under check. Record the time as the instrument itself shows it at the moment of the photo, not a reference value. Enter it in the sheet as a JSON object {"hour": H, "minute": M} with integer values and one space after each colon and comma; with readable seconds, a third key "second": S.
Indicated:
{"hour": 4, "minute": 46}
